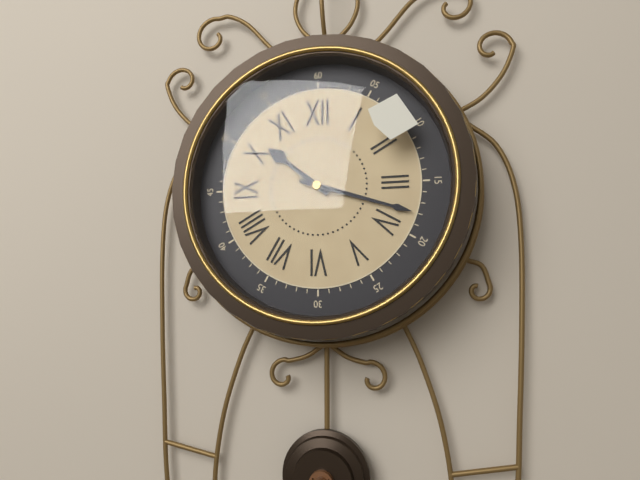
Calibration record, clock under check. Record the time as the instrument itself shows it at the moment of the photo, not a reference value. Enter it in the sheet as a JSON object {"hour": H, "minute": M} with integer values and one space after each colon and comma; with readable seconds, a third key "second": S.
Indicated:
{"hour": 10, "minute": 18}
